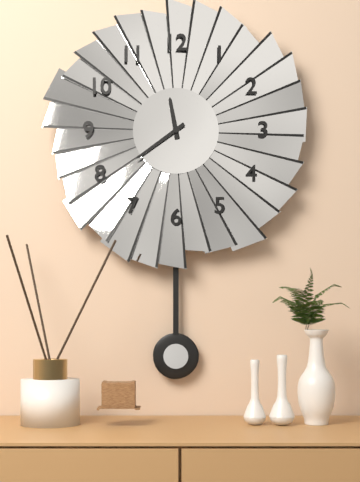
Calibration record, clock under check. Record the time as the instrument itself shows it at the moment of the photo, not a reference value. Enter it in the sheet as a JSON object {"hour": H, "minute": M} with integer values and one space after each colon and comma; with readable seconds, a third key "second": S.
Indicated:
{"hour": 11, "minute": 39}
